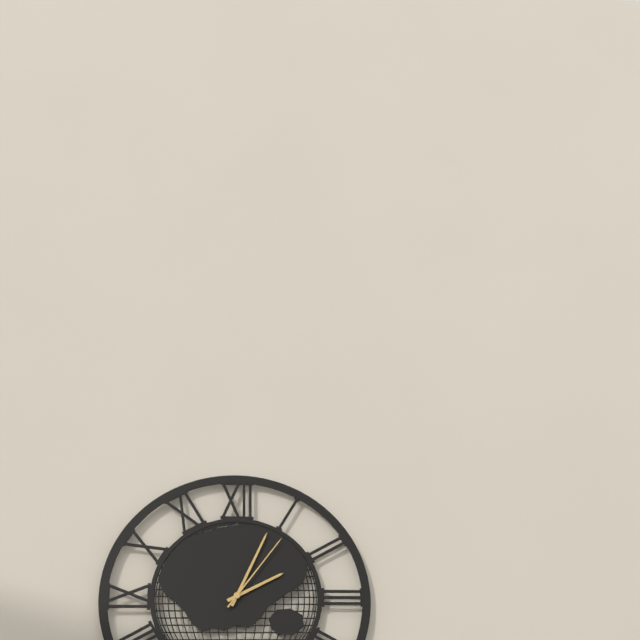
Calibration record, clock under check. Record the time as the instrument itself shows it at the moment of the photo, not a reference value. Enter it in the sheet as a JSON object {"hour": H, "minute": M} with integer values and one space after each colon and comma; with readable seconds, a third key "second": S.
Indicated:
{"hour": 2, "minute": 4, "second": 6}
